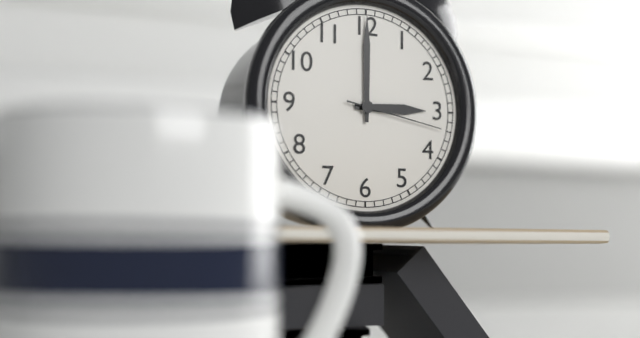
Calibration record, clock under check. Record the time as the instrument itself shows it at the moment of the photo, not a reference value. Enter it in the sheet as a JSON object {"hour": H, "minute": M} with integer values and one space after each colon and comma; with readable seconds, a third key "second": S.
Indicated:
{"hour": 3, "minute": 0, "second": 17}
